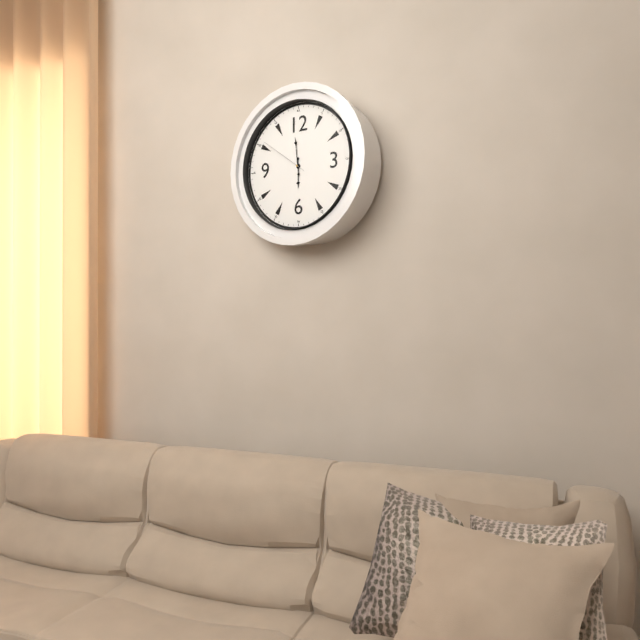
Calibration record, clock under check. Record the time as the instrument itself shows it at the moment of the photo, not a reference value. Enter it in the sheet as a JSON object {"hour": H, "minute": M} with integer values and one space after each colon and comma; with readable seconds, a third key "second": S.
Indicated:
{"hour": 5, "minute": 59, "second": 51}
